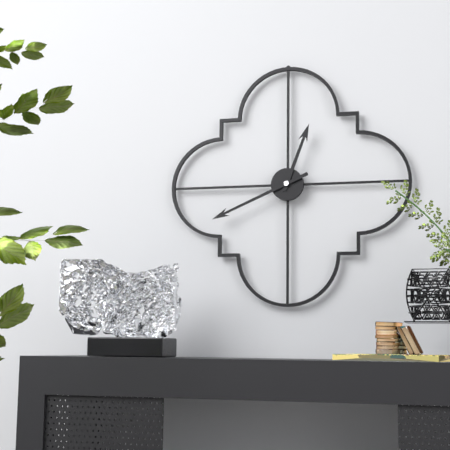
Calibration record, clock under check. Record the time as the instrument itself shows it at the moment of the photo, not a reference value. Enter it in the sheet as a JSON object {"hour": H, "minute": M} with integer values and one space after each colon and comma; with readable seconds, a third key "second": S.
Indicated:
{"hour": 12, "minute": 41}
